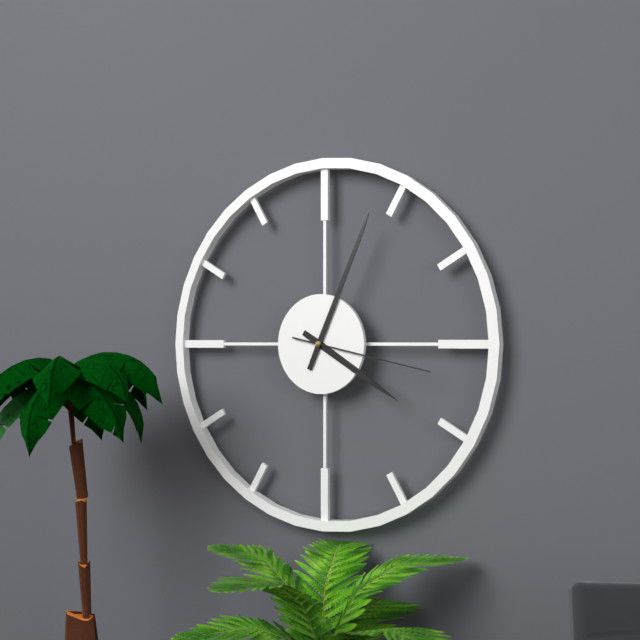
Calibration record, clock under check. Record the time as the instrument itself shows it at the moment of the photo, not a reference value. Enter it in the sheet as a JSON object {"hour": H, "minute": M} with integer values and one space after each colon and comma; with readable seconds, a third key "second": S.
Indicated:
{"hour": 4, "minute": 4, "second": 17}
